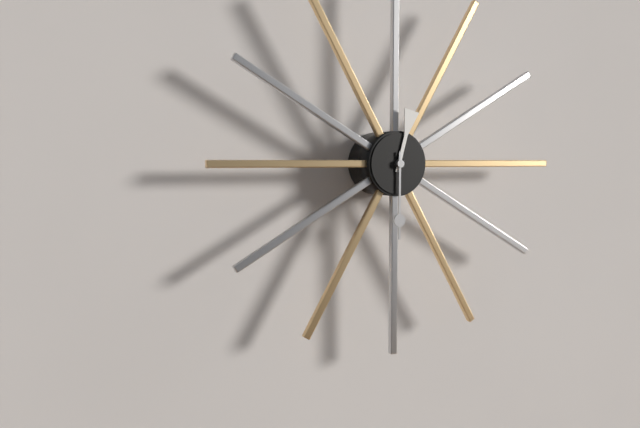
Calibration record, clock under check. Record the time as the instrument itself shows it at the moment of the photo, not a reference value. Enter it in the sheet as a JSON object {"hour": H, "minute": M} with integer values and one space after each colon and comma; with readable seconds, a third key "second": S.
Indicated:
{"hour": 12, "minute": 30}
